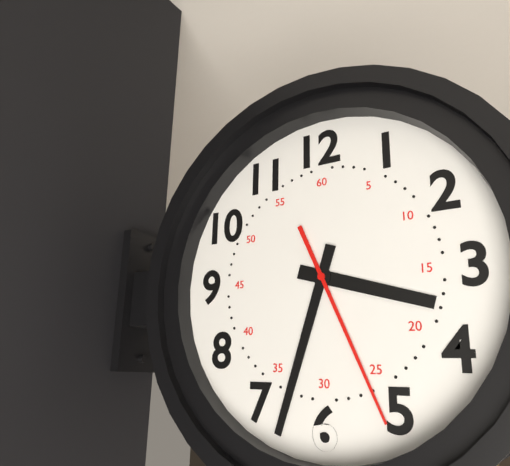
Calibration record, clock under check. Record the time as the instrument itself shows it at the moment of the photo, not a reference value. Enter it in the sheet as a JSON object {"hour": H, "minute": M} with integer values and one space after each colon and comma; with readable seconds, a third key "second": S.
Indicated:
{"hour": 3, "minute": 33, "second": 26}
